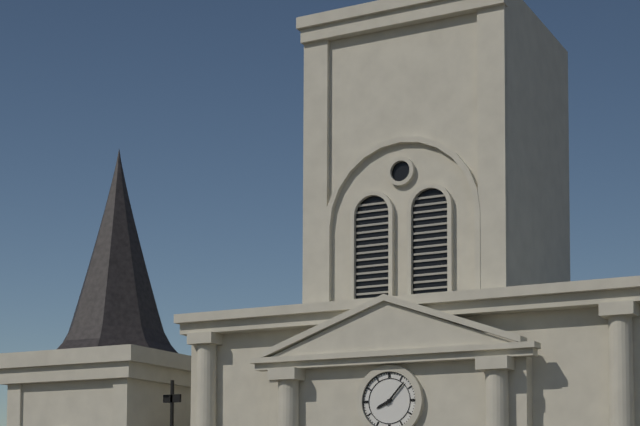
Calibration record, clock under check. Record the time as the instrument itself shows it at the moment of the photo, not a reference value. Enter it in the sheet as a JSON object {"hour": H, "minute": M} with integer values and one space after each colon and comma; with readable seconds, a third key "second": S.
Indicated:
{"hour": 8, "minute": 7}
